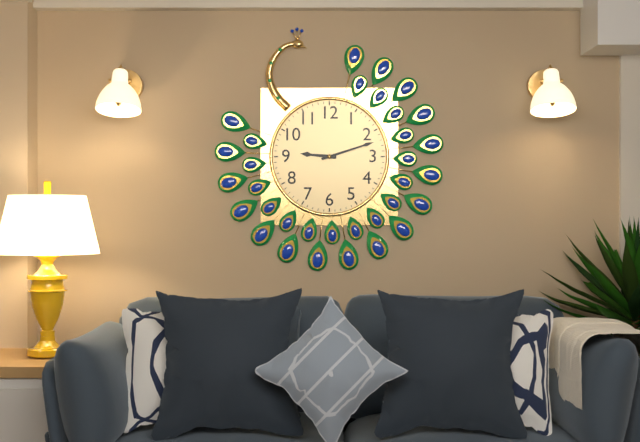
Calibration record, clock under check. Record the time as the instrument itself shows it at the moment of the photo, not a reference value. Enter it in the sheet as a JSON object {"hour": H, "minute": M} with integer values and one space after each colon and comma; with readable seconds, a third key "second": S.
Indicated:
{"hour": 9, "minute": 12}
